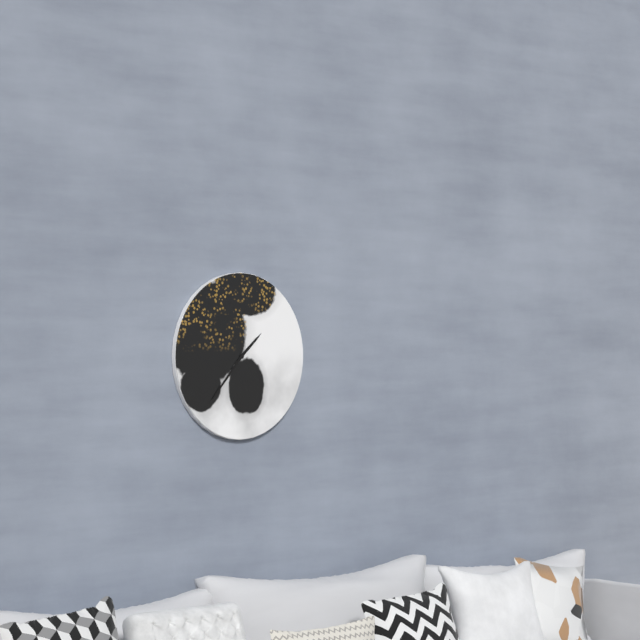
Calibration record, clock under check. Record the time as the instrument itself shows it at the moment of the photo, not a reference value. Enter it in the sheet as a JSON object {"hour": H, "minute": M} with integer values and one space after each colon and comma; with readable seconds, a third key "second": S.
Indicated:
{"hour": 1, "minute": 37}
